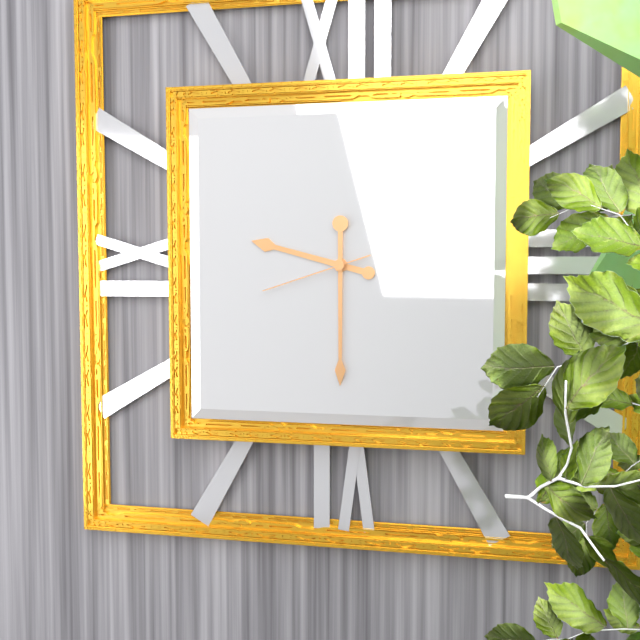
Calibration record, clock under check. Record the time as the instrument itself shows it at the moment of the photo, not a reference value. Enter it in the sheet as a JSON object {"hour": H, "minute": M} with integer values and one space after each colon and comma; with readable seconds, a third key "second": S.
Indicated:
{"hour": 9, "minute": 30, "second": 42}
